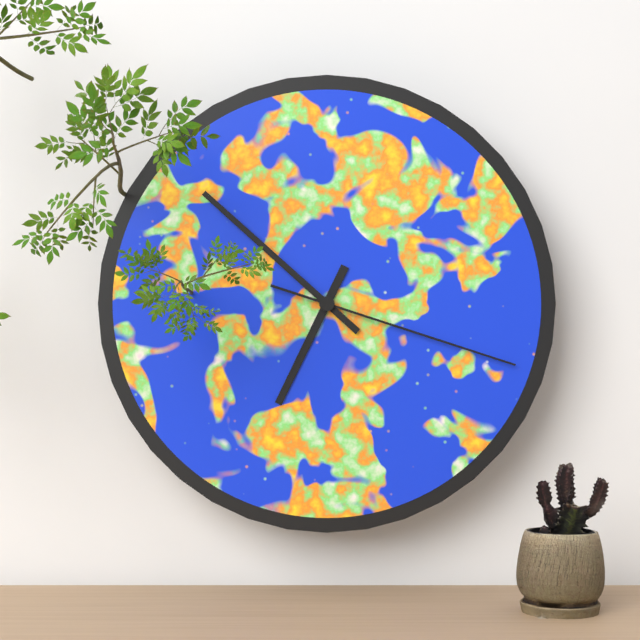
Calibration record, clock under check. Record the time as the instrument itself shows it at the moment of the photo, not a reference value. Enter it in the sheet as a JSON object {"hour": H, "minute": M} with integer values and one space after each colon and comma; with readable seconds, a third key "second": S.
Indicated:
{"hour": 6, "minute": 52, "second": 18}
